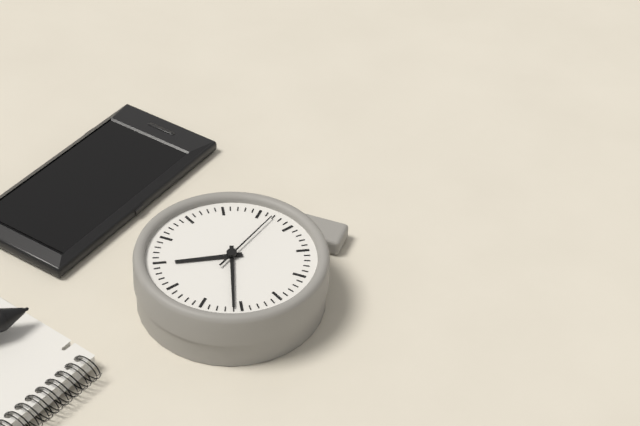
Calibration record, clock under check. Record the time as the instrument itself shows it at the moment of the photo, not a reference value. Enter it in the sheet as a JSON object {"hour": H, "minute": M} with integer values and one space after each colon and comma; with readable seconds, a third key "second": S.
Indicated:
{"hour": 1, "minute": 56, "second": 32}
